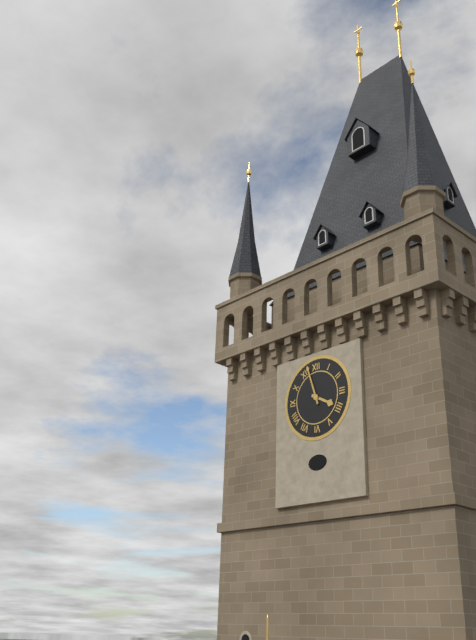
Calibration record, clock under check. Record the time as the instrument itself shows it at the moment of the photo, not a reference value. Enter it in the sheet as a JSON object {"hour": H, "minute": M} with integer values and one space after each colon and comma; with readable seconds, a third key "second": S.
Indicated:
{"hour": 3, "minute": 57}
